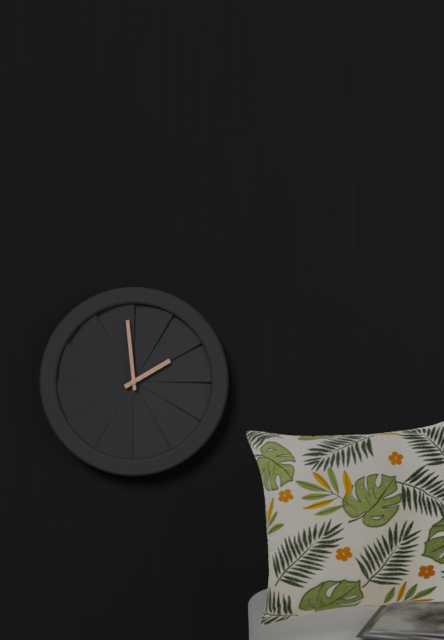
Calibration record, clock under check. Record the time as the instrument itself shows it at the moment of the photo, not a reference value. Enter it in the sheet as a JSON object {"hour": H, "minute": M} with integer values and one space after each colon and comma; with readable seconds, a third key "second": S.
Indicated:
{"hour": 1, "minute": 59}
